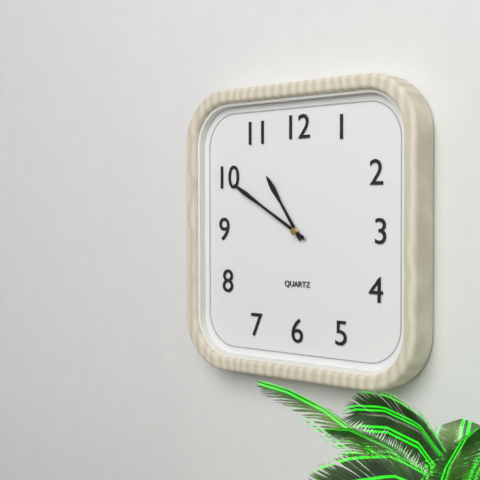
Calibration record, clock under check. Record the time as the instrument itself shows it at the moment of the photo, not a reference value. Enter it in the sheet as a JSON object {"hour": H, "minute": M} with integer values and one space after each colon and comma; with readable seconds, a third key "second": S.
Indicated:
{"hour": 10, "minute": 50}
